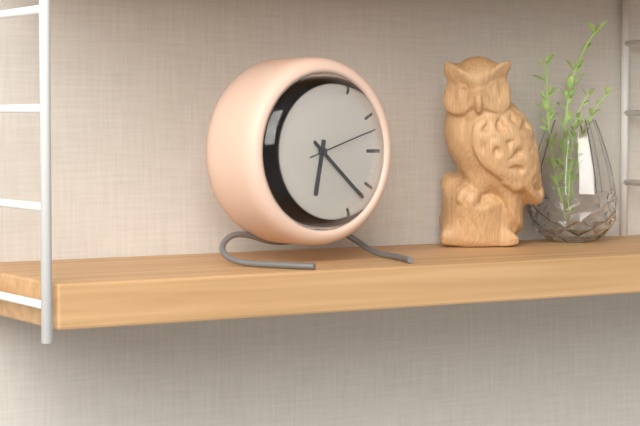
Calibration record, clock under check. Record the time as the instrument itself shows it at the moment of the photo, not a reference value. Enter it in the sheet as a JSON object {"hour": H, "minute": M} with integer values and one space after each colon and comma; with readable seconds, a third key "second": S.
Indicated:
{"hour": 6, "minute": 22, "second": 12}
